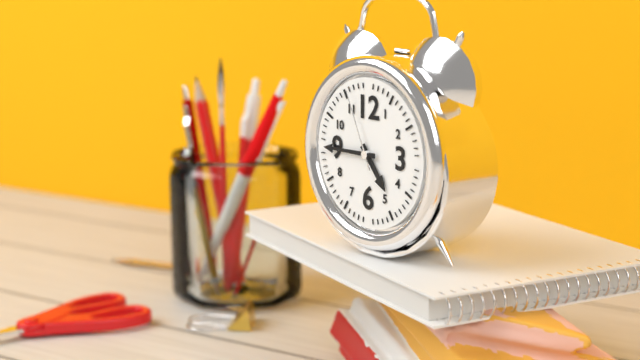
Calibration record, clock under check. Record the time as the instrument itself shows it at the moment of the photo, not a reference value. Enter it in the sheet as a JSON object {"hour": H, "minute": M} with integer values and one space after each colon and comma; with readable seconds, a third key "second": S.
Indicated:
{"hour": 4, "minute": 45, "second": 56}
